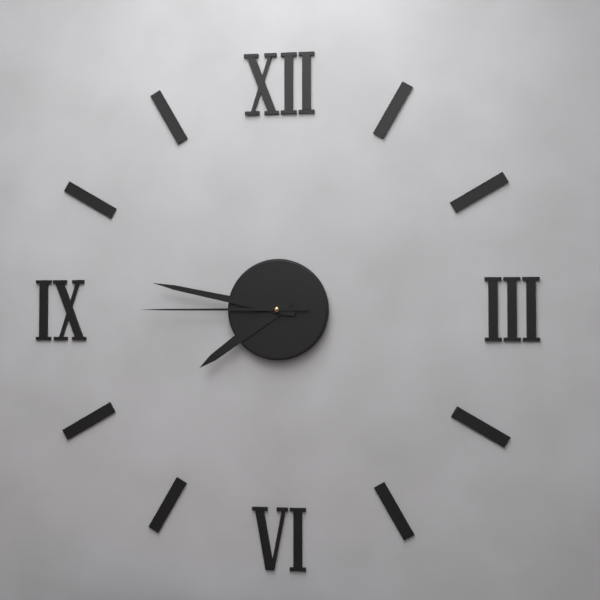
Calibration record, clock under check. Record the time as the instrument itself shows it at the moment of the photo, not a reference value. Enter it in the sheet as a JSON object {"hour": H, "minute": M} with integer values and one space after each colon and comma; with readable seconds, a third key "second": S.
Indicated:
{"hour": 7, "minute": 47, "second": 45}
